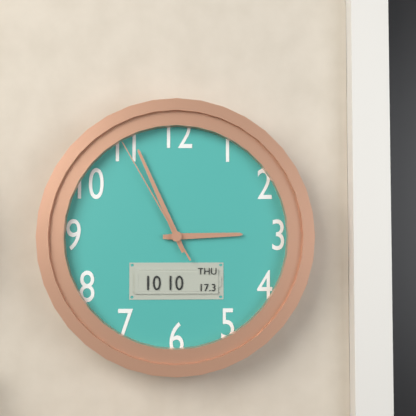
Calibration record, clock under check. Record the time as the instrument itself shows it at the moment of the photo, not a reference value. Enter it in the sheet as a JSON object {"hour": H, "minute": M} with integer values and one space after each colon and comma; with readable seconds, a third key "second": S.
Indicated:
{"hour": 2, "minute": 56, "second": 55}
